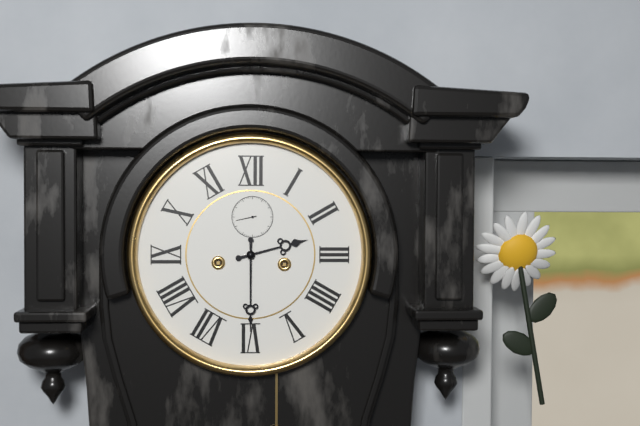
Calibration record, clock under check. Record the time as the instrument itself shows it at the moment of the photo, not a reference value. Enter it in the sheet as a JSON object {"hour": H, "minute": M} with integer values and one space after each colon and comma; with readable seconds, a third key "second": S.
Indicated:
{"hour": 2, "minute": 30}
